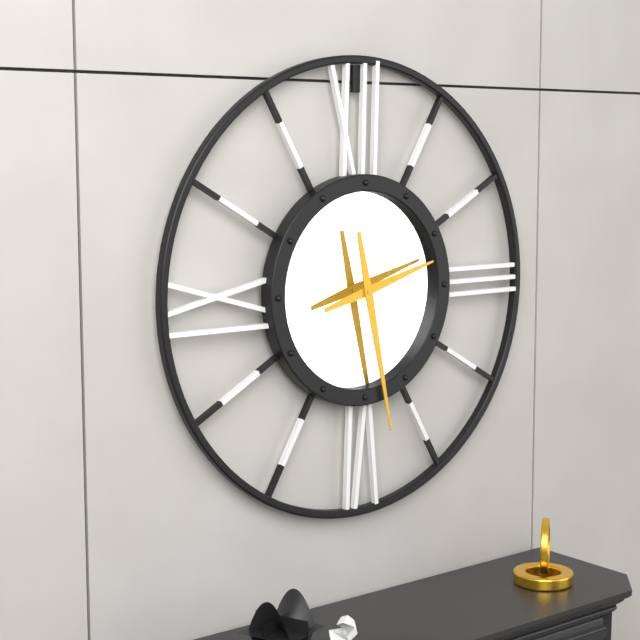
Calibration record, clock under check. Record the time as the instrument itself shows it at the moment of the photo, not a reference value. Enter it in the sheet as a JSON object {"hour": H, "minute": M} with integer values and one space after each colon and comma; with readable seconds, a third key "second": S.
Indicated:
{"hour": 2, "minute": 28}
